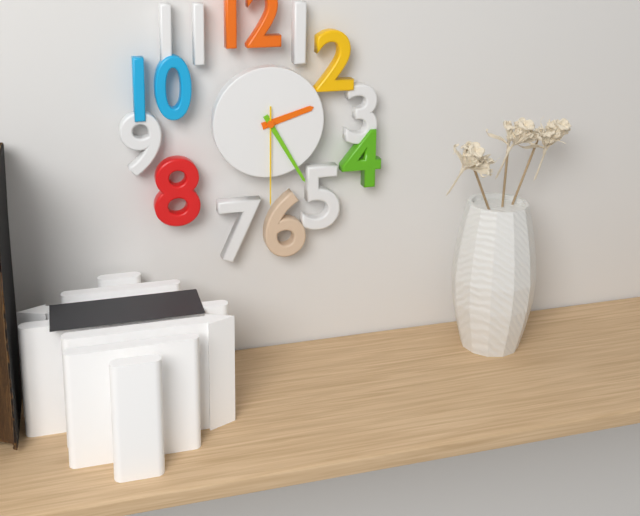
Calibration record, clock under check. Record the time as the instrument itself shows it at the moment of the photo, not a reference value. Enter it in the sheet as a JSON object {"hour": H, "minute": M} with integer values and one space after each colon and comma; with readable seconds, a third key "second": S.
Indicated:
{"hour": 2, "minute": 25, "second": 30}
